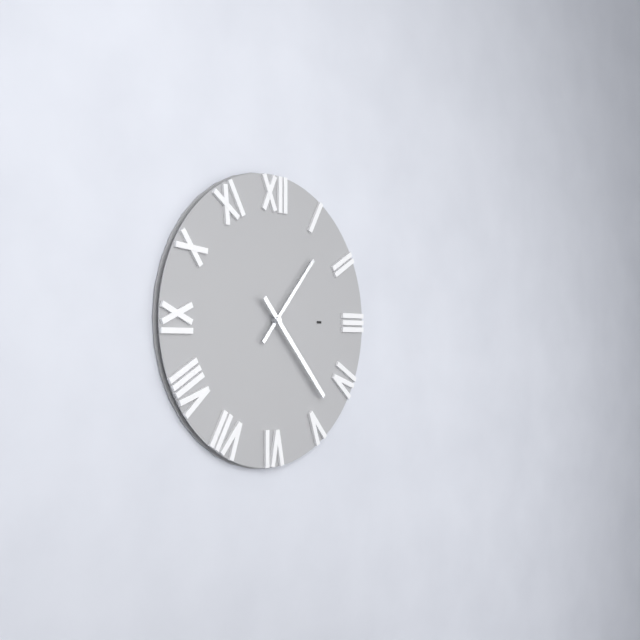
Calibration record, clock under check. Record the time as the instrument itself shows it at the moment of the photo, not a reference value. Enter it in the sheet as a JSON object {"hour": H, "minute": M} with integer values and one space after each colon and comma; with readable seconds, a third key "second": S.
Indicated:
{"hour": 1, "minute": 23}
